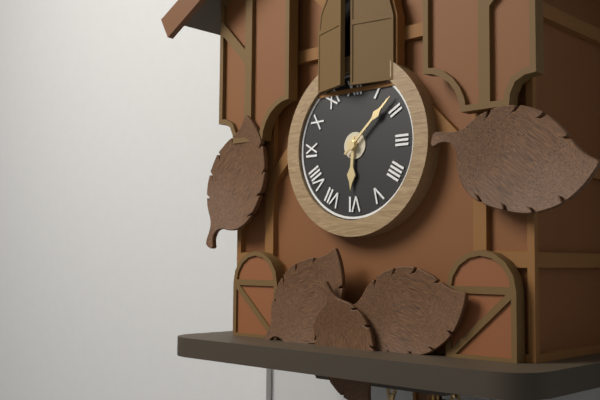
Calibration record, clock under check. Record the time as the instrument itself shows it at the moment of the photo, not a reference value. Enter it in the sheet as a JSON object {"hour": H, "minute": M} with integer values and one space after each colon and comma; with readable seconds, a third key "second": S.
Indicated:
{"hour": 6, "minute": 8}
